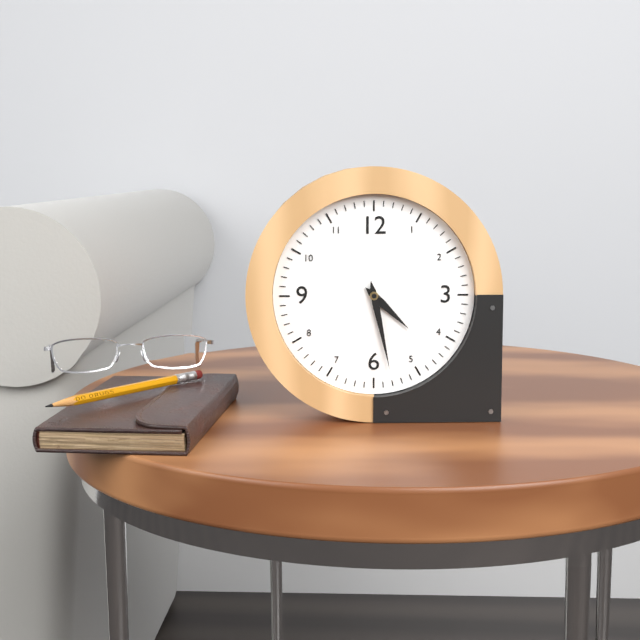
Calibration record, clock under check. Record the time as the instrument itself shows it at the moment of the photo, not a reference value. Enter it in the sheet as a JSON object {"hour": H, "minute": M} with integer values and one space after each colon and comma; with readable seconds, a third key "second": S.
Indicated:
{"hour": 4, "minute": 28}
